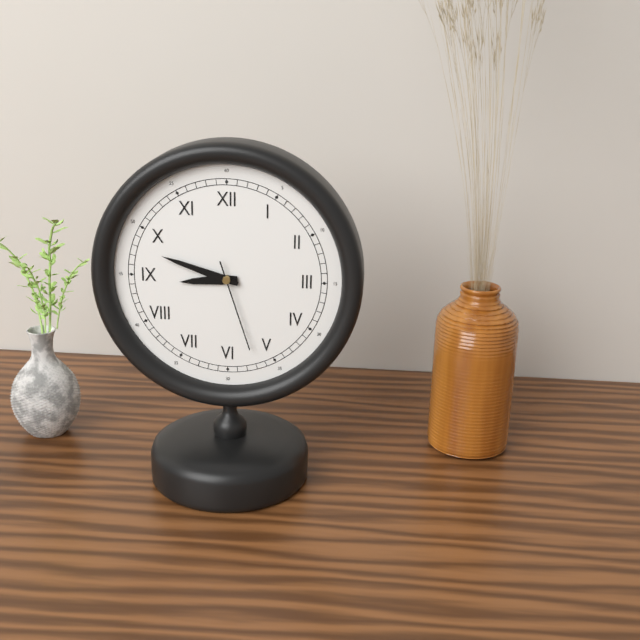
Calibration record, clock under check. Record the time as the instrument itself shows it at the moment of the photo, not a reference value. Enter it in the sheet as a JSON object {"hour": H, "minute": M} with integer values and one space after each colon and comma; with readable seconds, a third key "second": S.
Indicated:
{"hour": 8, "minute": 48, "second": 27}
